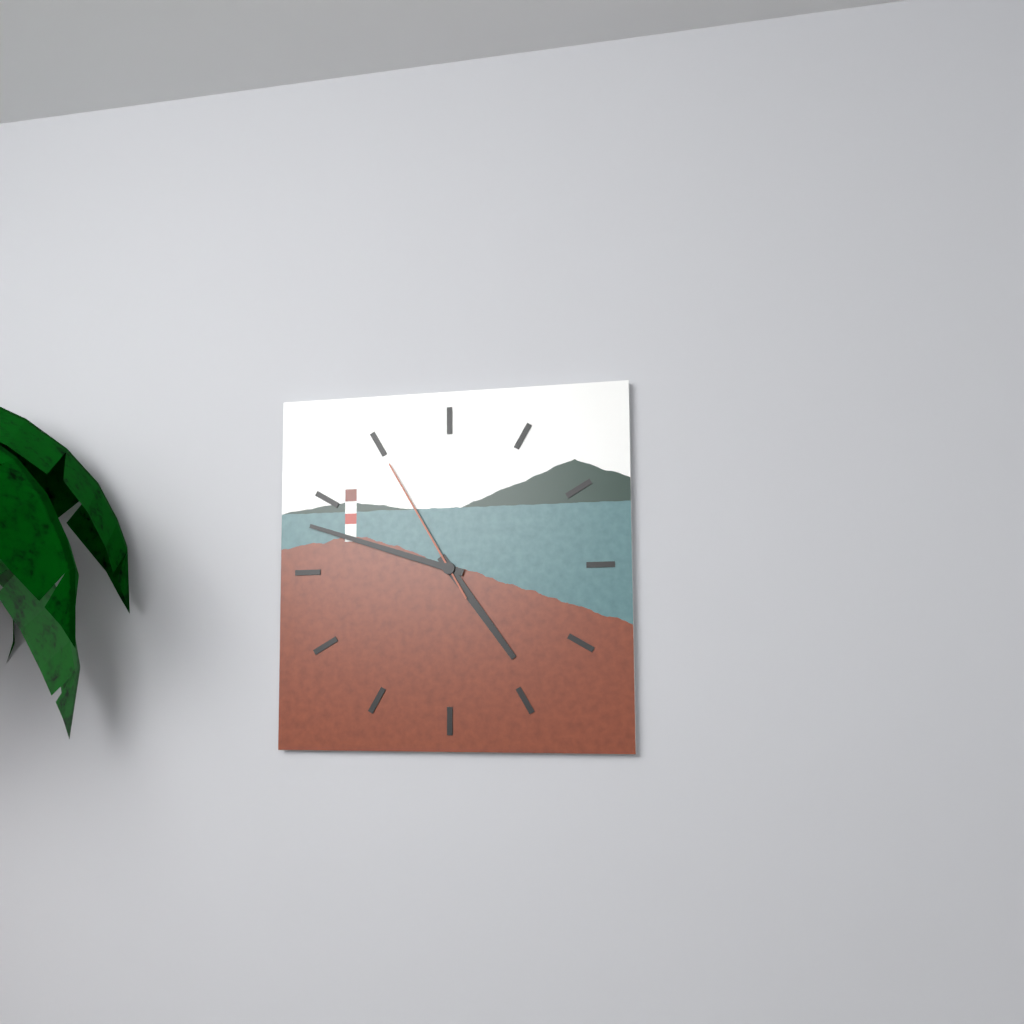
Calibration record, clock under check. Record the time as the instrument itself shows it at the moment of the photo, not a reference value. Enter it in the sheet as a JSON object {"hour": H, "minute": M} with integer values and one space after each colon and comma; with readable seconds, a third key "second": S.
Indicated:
{"hour": 4, "minute": 48, "second": 55}
